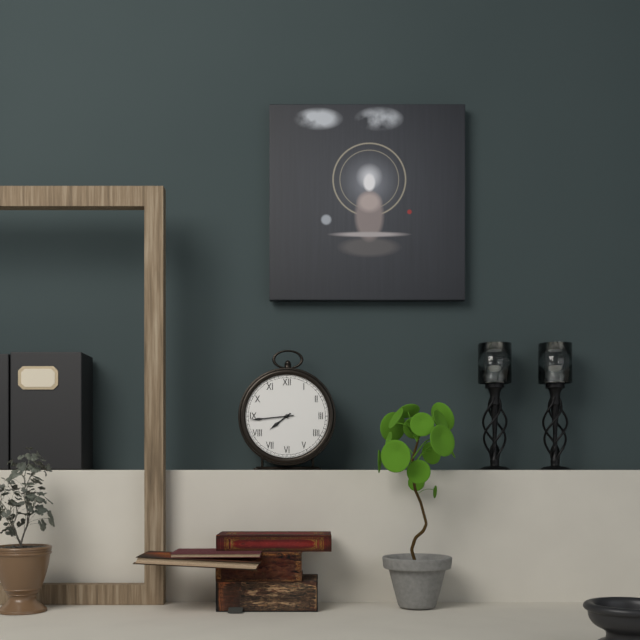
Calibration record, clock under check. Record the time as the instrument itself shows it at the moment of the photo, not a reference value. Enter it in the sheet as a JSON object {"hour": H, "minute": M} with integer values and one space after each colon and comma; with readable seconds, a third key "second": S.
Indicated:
{"hour": 7, "minute": 44}
